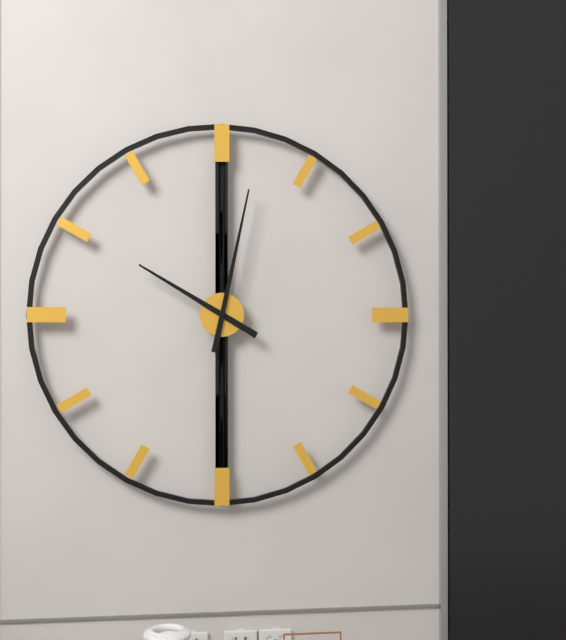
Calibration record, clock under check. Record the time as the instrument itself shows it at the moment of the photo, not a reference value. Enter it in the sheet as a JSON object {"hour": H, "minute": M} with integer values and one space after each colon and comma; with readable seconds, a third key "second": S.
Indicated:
{"hour": 10, "minute": 2}
